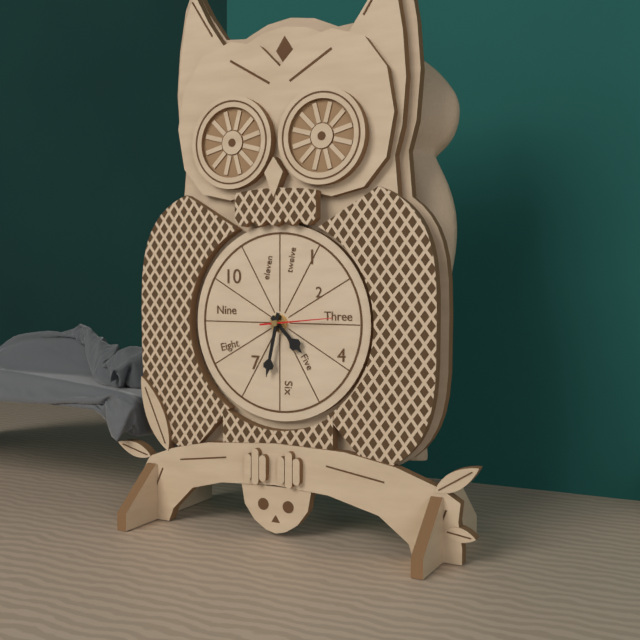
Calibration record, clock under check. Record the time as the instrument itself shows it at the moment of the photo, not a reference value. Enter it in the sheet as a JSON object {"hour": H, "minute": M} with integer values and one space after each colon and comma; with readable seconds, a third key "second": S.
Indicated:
{"hour": 4, "minute": 32, "second": 14}
